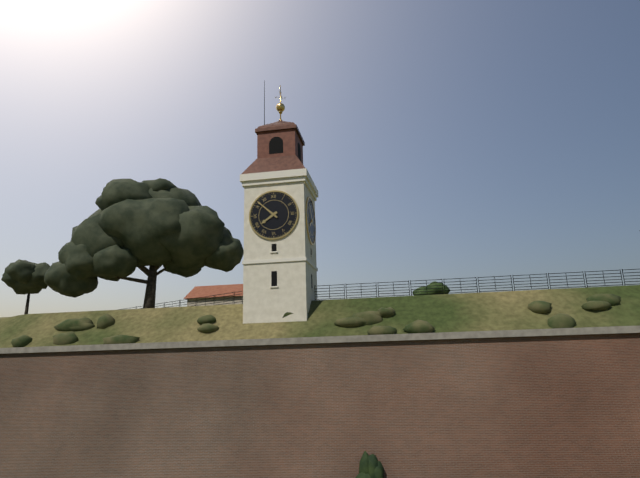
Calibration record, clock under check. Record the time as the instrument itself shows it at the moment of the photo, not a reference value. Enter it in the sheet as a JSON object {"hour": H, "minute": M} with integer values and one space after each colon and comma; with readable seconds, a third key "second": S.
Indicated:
{"hour": 7, "minute": 52}
